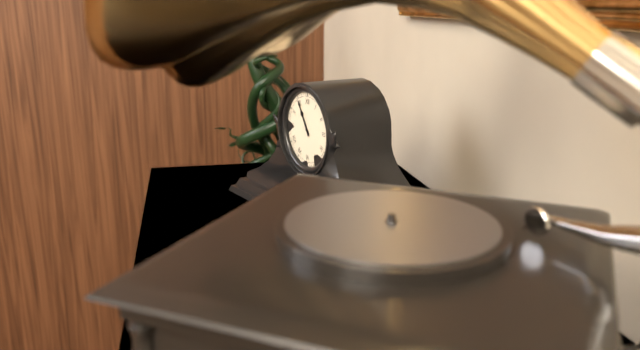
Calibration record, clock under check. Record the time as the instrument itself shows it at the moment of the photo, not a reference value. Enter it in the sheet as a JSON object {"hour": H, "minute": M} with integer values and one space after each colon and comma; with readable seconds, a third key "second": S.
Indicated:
{"hour": 10, "minute": 55}
